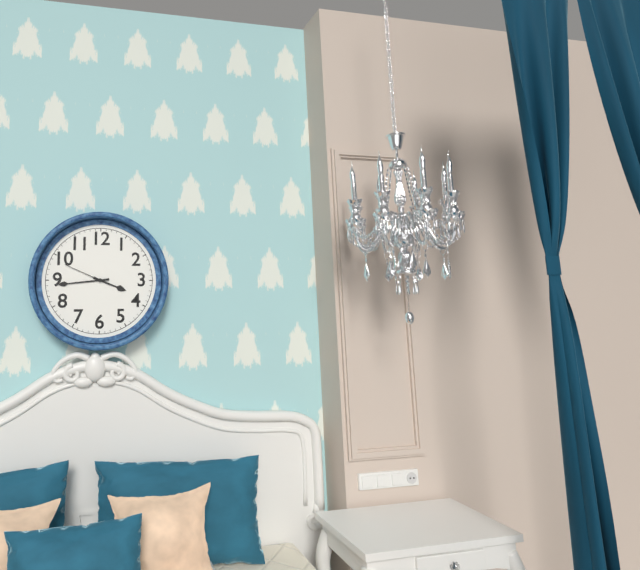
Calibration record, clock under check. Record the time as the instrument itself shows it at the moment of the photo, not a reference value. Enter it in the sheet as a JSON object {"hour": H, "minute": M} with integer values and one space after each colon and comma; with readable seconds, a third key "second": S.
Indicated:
{"hour": 3, "minute": 44}
